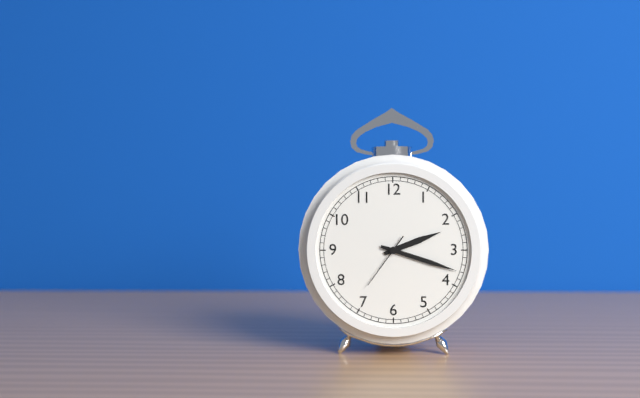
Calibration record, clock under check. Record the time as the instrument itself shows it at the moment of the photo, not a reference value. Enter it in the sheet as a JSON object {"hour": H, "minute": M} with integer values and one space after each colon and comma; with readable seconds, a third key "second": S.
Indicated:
{"hour": 2, "minute": 18, "second": 36}
